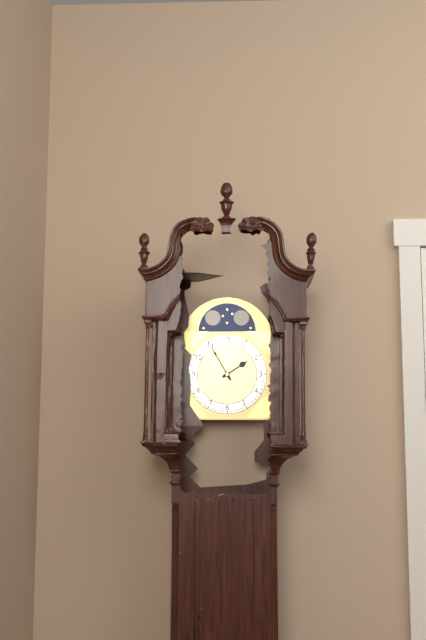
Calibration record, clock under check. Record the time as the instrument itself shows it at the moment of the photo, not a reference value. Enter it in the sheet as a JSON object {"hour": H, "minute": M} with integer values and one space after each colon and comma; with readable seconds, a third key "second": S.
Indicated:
{"hour": 1, "minute": 55}
